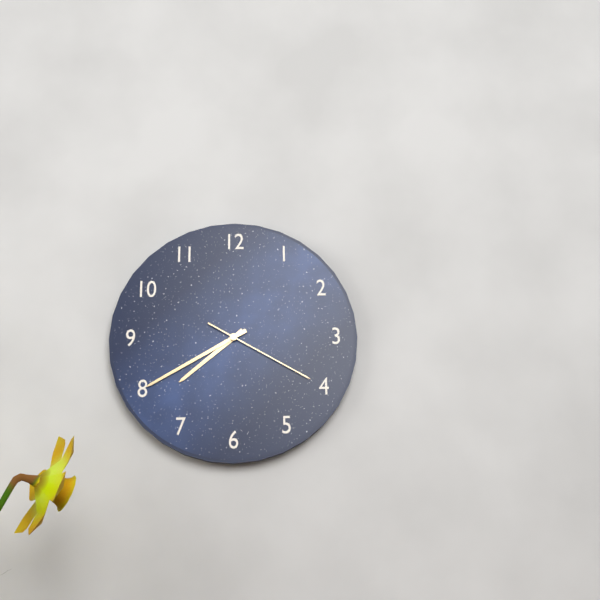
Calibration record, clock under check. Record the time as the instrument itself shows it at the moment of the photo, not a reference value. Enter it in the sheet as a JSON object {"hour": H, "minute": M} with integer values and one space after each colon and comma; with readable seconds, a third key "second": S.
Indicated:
{"hour": 7, "minute": 40, "second": 20}
